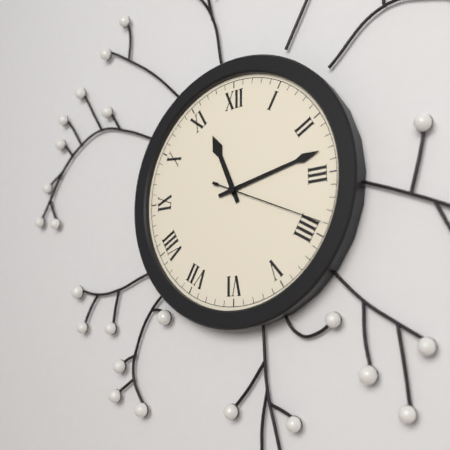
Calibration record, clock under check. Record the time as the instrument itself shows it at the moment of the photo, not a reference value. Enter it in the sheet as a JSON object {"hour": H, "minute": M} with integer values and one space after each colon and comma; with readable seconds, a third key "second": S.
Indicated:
{"hour": 11, "minute": 13, "second": 19}
